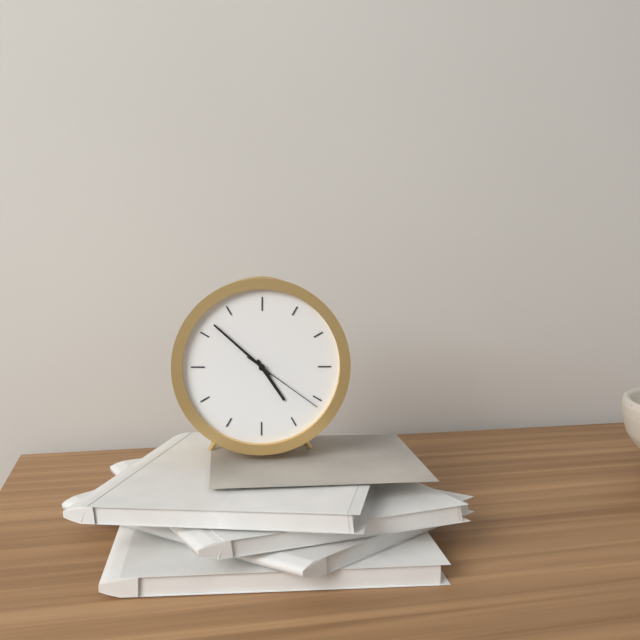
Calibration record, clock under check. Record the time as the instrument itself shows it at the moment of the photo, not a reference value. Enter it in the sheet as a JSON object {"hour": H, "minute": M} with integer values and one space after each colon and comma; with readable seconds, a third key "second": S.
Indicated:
{"hour": 4, "minute": 52, "second": 21}
